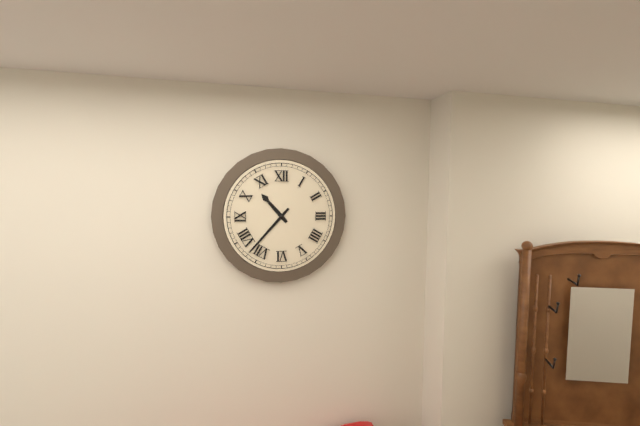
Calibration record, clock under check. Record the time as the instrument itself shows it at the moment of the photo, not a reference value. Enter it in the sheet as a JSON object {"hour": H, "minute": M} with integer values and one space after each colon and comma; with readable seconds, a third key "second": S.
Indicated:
{"hour": 10, "minute": 37}
